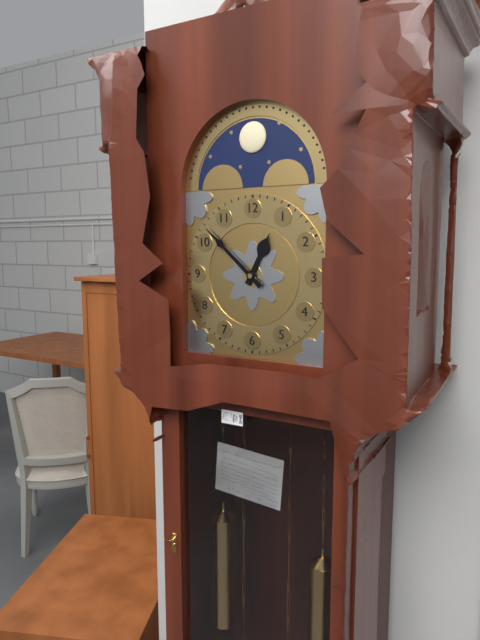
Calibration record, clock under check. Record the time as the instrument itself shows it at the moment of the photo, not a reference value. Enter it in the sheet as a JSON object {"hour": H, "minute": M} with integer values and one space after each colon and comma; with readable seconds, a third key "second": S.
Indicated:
{"hour": 12, "minute": 52}
